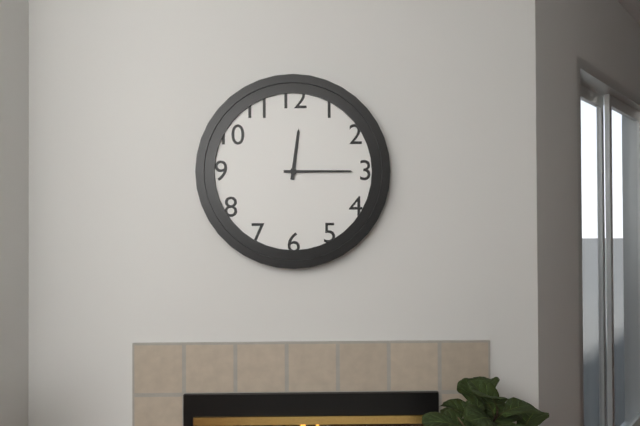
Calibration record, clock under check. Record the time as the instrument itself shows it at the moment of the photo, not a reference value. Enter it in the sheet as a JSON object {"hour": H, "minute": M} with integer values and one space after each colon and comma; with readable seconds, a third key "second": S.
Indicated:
{"hour": 12, "minute": 15}
